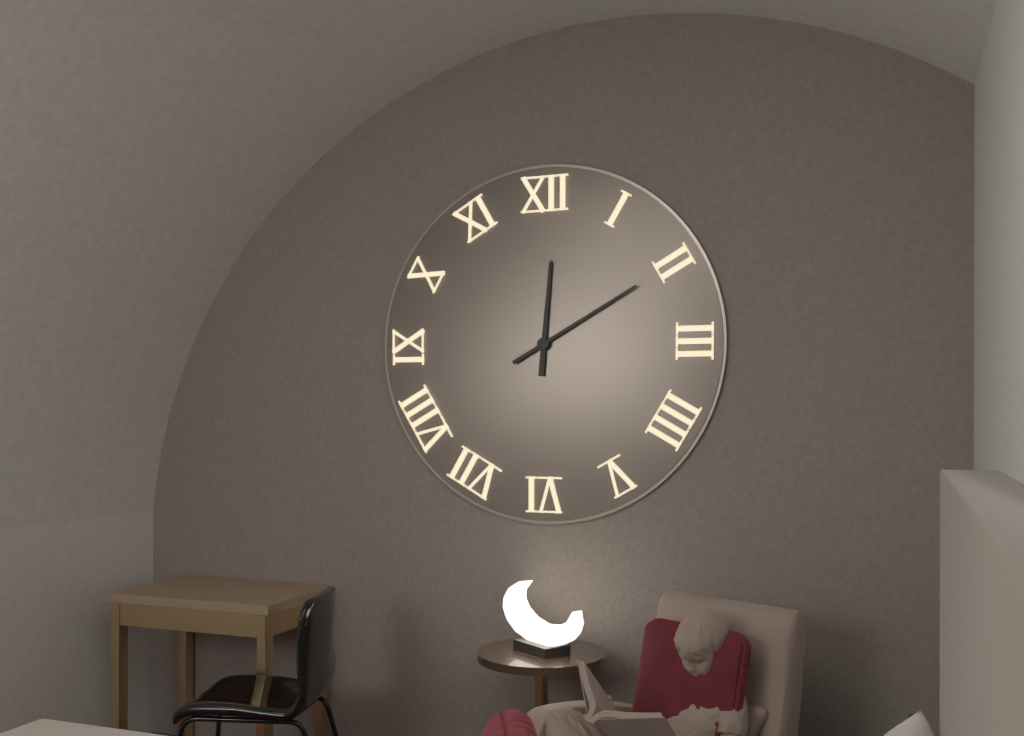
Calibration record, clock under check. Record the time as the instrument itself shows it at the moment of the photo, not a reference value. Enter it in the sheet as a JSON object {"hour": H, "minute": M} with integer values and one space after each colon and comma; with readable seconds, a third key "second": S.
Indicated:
{"hour": 12, "minute": 10}
